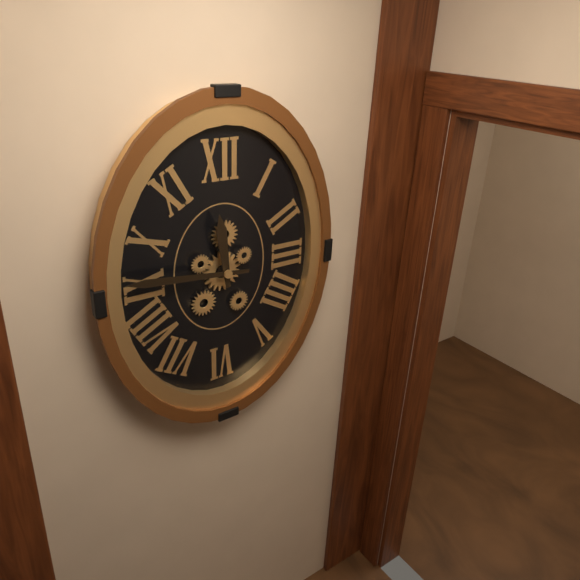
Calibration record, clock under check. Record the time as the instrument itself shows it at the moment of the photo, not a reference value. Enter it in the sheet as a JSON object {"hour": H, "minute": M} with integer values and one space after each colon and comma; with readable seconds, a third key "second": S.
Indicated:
{"hour": 11, "minute": 46}
